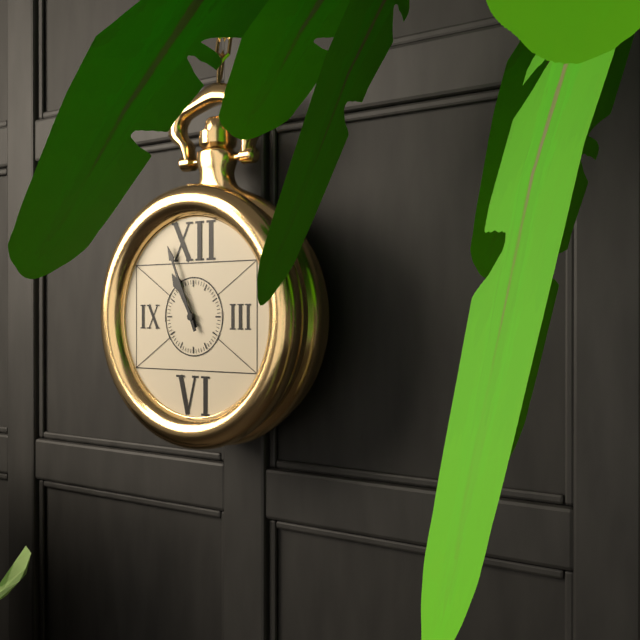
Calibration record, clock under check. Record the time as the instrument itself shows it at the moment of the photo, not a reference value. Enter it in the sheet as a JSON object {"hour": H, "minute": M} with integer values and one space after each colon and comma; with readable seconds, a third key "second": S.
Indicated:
{"hour": 10, "minute": 56}
